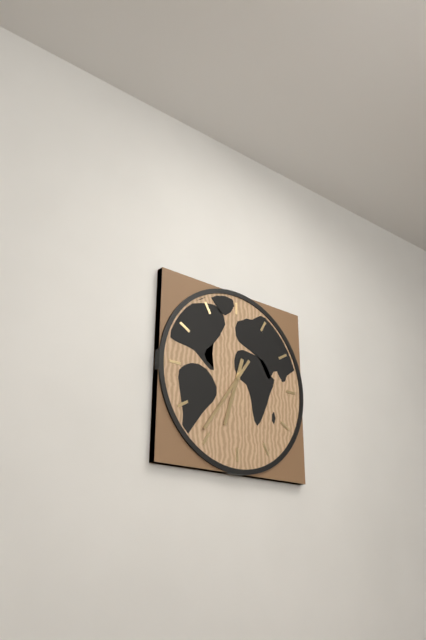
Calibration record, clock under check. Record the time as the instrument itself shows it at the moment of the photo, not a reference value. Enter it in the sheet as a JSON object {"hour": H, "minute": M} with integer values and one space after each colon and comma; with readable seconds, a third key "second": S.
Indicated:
{"hour": 6, "minute": 36}
